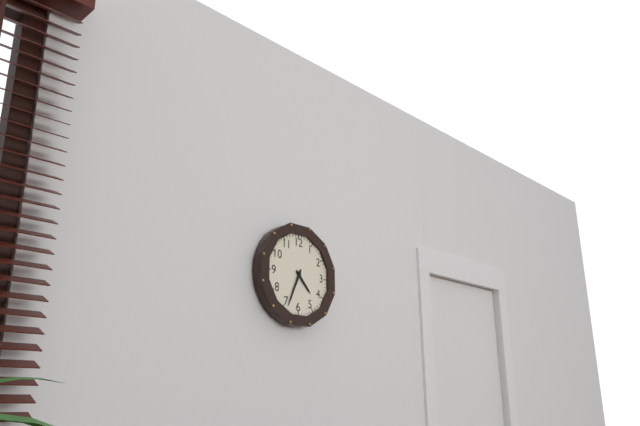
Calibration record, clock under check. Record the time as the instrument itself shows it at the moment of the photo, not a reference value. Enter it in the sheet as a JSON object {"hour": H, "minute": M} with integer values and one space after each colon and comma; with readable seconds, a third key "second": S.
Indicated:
{"hour": 4, "minute": 34}
